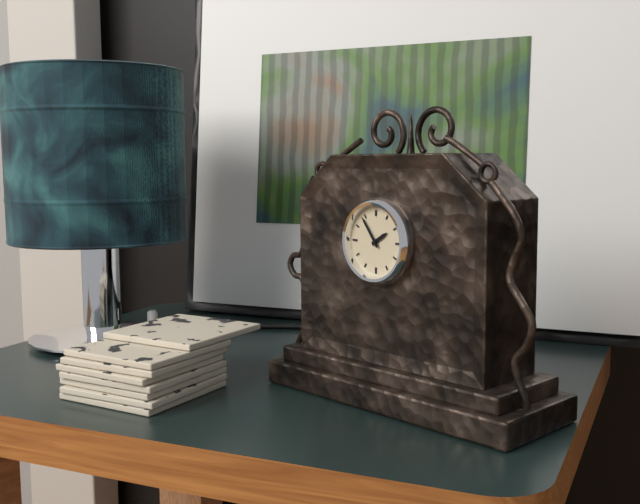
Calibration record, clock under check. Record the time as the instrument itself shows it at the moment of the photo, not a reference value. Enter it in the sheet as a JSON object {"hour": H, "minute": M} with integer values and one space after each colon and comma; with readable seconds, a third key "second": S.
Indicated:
{"hour": 1, "minute": 54}
